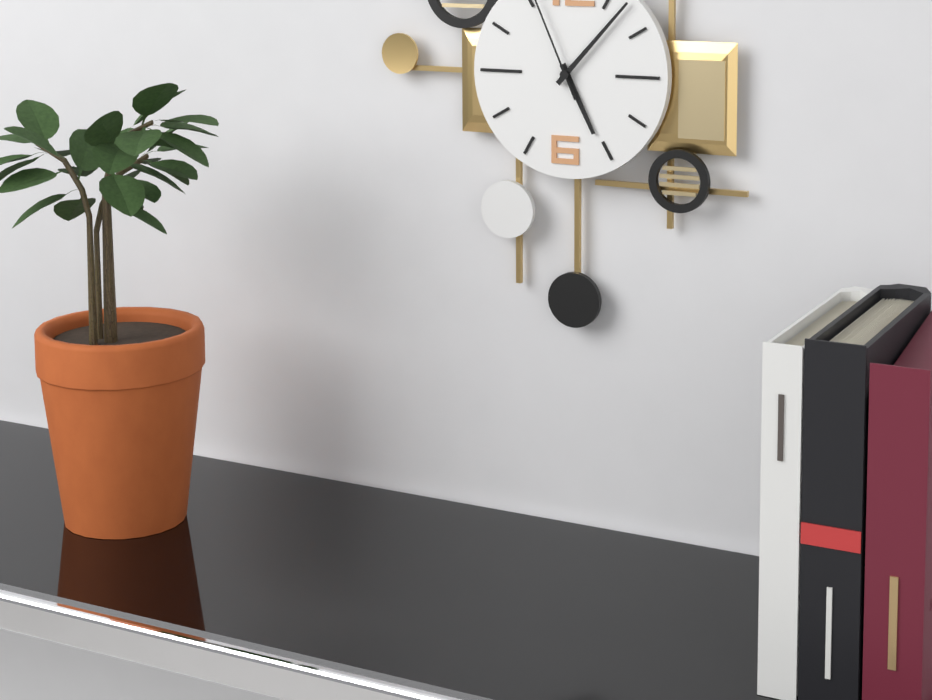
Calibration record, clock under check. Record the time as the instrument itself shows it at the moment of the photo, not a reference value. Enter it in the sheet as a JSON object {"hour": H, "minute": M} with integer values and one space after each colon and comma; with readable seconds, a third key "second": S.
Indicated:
{"hour": 5, "minute": 7}
